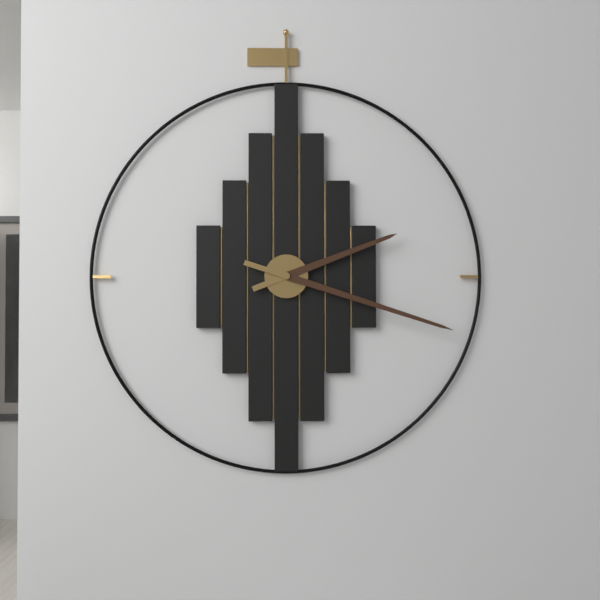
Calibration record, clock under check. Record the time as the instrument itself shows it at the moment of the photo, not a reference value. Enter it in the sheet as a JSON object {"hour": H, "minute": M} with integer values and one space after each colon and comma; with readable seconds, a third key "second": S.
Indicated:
{"hour": 2, "minute": 18}
